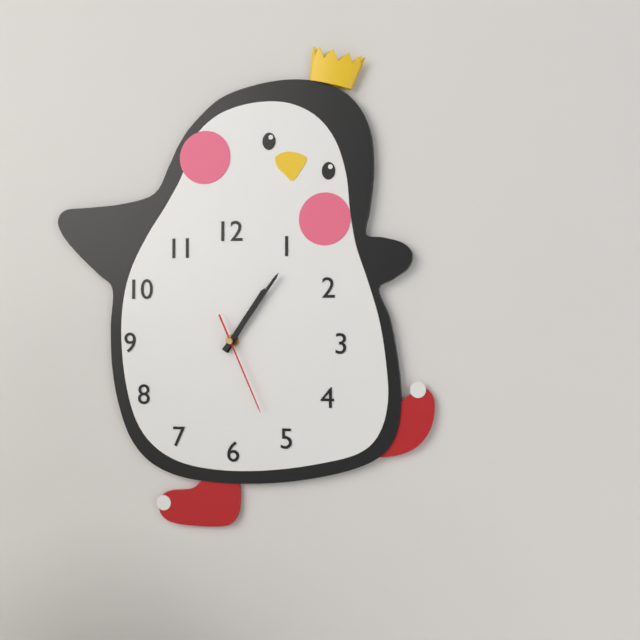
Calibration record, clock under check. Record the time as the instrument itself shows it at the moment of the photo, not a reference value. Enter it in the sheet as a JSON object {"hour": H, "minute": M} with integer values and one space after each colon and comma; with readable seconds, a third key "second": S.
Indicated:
{"hour": 1, "minute": 6, "second": 26}
